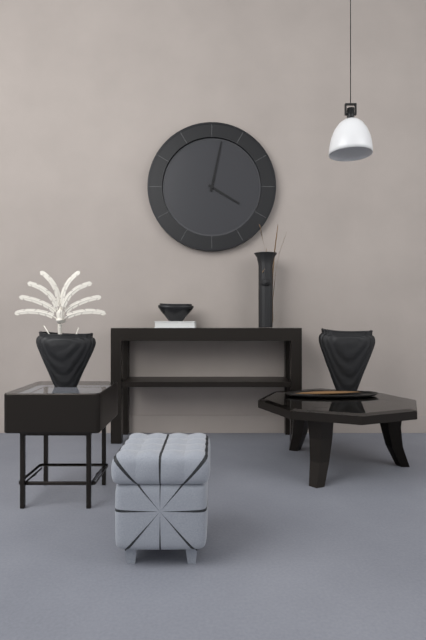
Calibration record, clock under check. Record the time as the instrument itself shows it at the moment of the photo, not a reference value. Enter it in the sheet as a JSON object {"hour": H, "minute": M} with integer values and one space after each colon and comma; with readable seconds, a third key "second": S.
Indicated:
{"hour": 4, "minute": 2}
